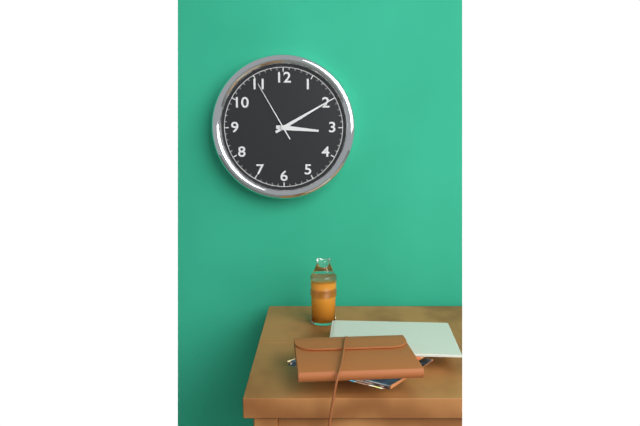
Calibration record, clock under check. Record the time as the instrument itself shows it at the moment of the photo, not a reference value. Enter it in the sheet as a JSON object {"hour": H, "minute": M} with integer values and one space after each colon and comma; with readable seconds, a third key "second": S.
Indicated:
{"hour": 3, "minute": 10, "second": 55}
